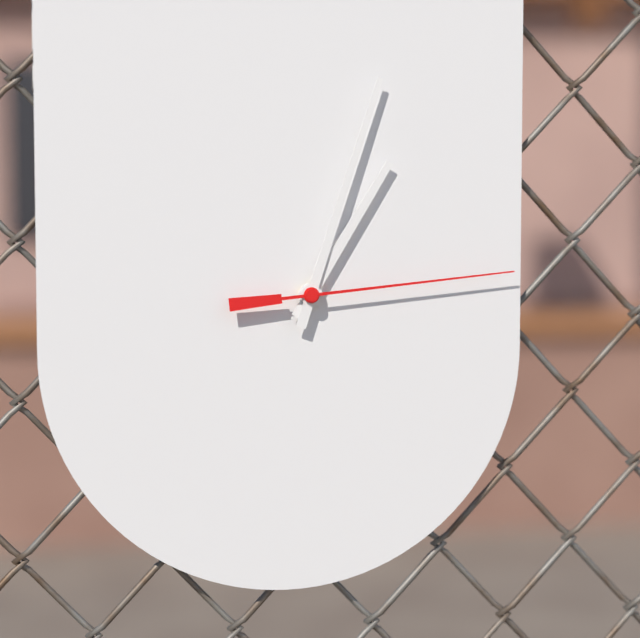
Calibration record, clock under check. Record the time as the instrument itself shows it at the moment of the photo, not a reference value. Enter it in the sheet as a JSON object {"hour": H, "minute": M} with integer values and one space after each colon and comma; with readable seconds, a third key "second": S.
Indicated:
{"hour": 1, "minute": 3, "second": 14}
